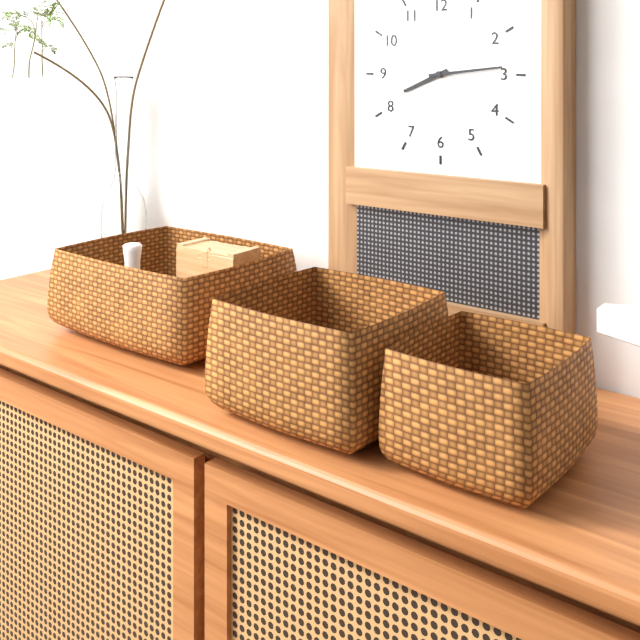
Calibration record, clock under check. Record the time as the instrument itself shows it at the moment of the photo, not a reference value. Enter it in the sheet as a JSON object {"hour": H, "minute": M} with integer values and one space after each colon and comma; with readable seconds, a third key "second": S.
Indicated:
{"hour": 8, "minute": 14}
